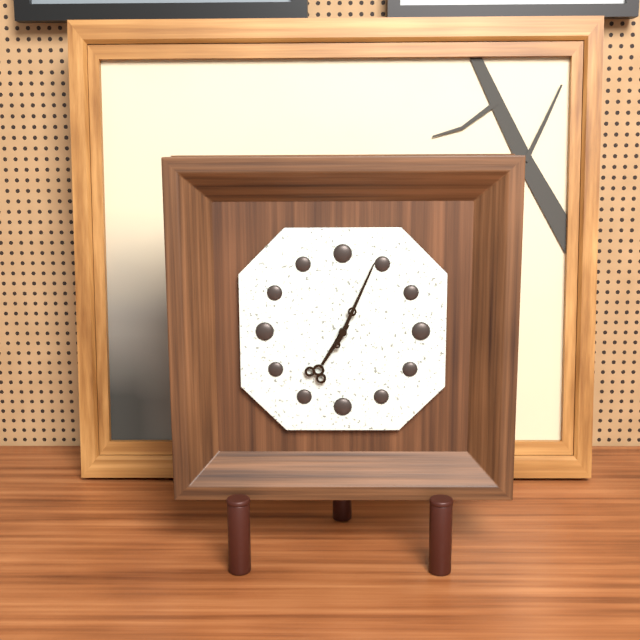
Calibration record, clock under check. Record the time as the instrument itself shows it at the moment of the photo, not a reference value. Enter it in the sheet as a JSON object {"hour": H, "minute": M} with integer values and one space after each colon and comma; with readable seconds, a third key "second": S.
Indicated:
{"hour": 7, "minute": 4}
